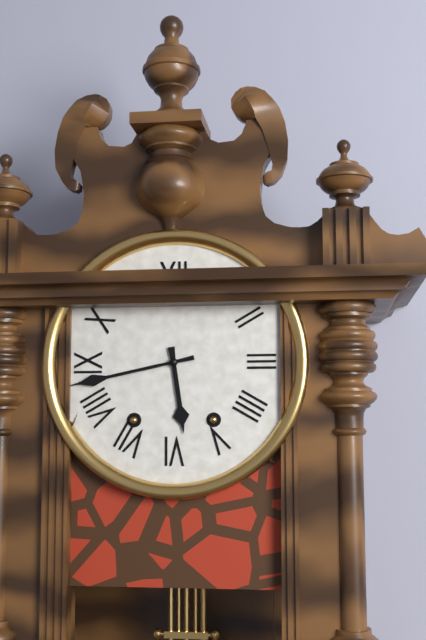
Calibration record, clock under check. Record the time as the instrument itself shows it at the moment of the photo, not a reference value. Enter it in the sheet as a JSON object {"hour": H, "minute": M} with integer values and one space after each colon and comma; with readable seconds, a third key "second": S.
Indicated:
{"hour": 5, "minute": 43}
